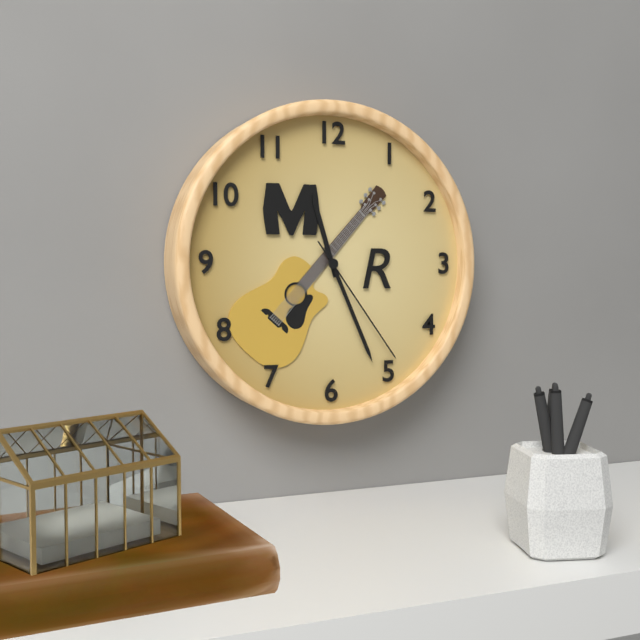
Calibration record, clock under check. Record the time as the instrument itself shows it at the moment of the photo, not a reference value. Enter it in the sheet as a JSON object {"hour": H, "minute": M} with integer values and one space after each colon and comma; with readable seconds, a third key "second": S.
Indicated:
{"hour": 11, "minute": 26, "second": 24}
